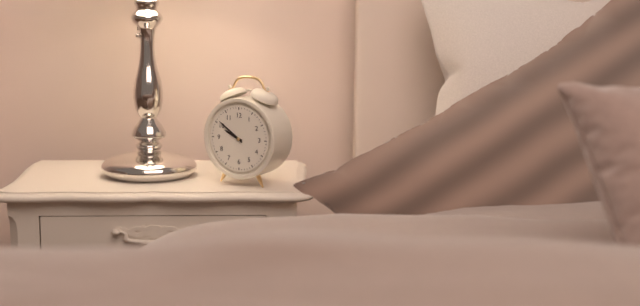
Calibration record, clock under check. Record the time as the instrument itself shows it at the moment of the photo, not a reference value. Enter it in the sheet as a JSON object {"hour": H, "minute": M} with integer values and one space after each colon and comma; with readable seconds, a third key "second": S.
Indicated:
{"hour": 9, "minute": 51}
